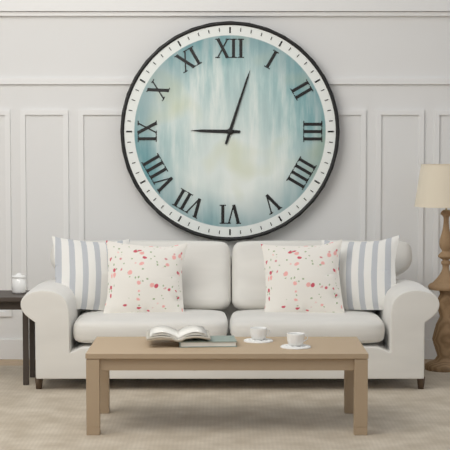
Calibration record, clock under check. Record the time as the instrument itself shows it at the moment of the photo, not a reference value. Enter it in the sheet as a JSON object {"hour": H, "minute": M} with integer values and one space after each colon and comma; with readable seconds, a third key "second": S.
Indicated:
{"hour": 9, "minute": 3}
